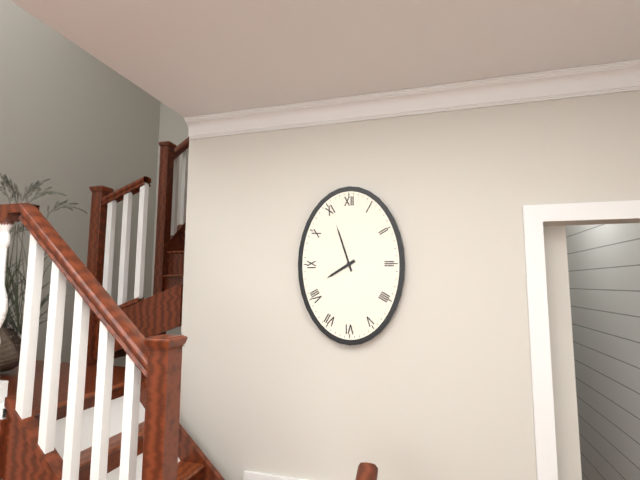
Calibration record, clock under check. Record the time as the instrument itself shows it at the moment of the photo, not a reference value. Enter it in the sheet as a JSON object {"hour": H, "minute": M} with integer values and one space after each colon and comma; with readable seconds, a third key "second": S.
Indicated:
{"hour": 7, "minute": 57}
